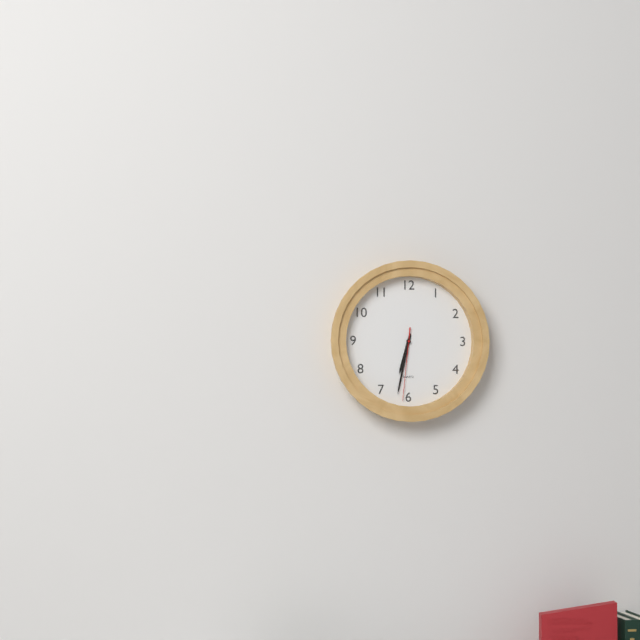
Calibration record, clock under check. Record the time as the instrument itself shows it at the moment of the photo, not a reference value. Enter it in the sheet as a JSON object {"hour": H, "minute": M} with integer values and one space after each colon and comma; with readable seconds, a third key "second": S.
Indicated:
{"hour": 6, "minute": 32, "second": 31}
